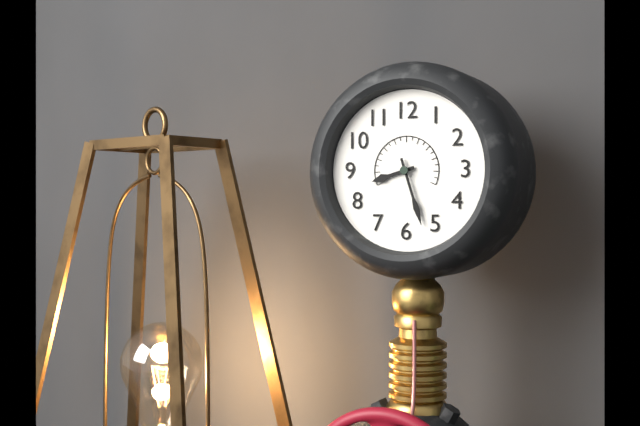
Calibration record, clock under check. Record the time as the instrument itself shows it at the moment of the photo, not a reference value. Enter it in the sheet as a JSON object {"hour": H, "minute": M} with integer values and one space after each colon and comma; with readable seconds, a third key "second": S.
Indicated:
{"hour": 8, "minute": 27}
